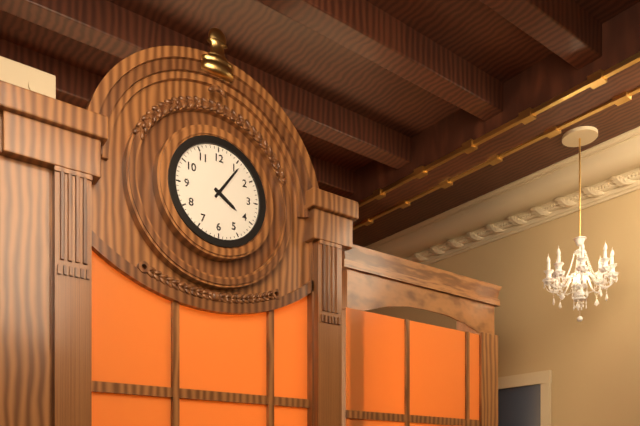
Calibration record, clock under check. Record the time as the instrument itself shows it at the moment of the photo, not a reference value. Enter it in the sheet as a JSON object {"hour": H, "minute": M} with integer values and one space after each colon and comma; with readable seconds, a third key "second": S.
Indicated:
{"hour": 4, "minute": 6}
